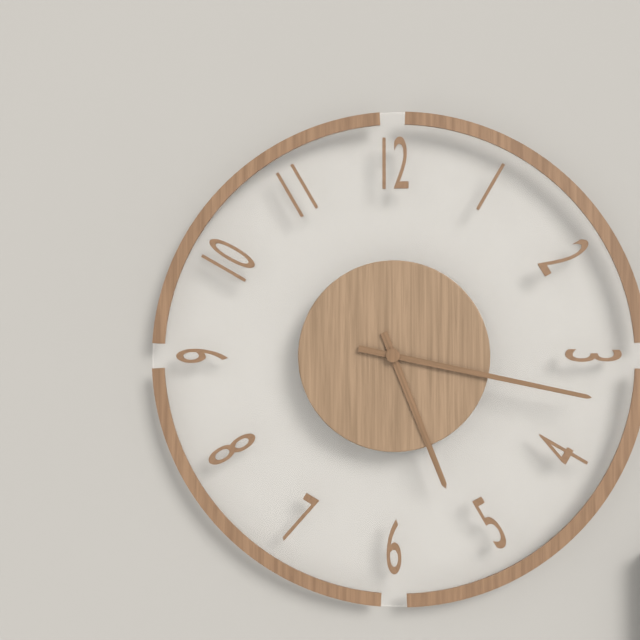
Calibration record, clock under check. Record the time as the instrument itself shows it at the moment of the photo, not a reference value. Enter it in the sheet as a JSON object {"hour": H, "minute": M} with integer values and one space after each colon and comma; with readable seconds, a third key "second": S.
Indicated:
{"hour": 5, "minute": 17}
